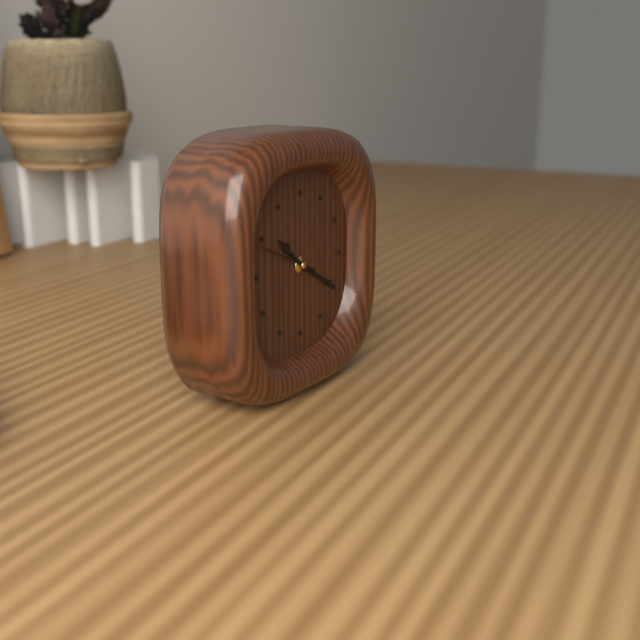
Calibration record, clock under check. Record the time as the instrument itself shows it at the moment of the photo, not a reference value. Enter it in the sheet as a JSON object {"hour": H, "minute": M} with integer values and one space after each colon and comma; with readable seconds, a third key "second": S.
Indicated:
{"hour": 10, "minute": 20, "second": 49}
